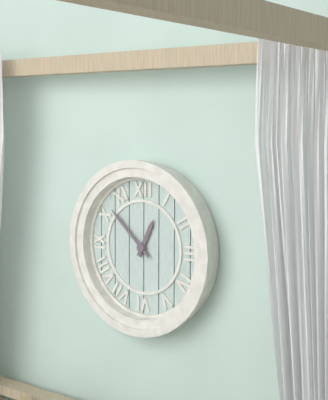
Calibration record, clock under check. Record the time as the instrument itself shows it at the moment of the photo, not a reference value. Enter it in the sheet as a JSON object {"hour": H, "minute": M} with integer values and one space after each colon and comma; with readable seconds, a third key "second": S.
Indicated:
{"hour": 12, "minute": 52}
